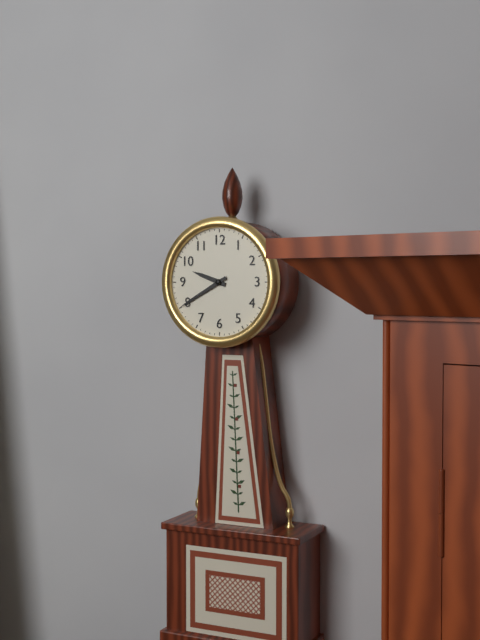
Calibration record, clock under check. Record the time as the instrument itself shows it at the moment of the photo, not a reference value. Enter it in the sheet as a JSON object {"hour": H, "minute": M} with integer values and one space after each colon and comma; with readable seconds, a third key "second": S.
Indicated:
{"hour": 9, "minute": 40}
